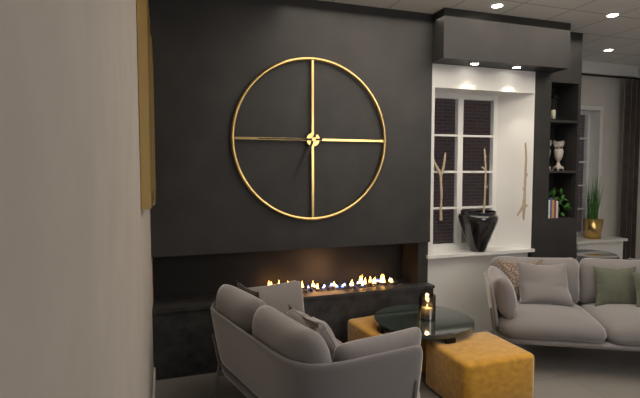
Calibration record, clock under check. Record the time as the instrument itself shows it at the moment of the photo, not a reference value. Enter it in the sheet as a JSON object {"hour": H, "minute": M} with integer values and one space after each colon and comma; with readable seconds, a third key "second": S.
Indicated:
{"hour": 6, "minute": 45}
